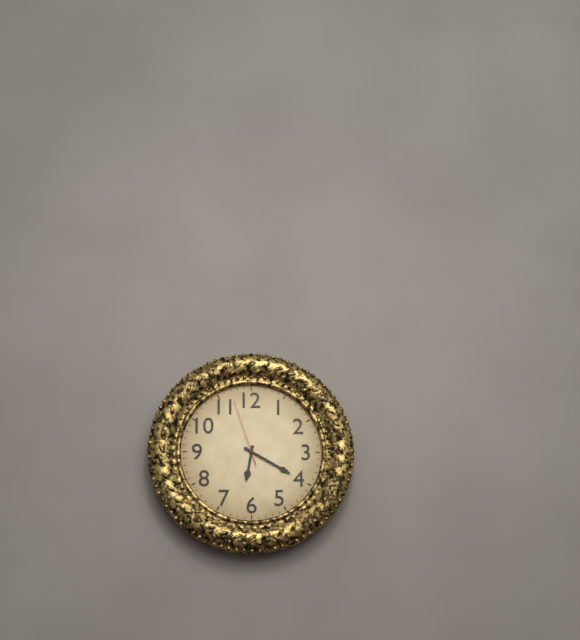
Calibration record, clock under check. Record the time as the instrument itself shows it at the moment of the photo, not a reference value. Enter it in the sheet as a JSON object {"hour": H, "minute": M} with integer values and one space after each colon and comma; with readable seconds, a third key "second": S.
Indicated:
{"hour": 6, "minute": 20, "second": 57}
